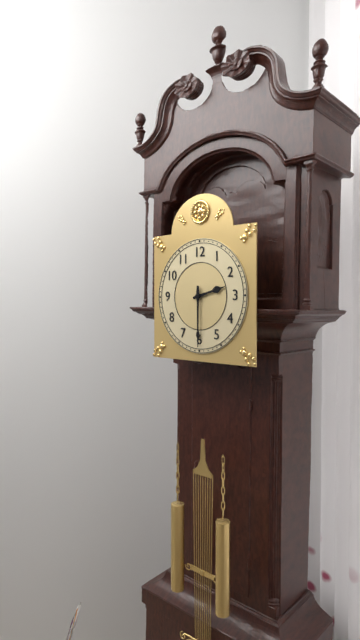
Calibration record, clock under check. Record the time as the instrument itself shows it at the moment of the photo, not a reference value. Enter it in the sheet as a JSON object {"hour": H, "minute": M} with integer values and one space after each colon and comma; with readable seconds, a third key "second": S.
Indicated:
{"hour": 2, "minute": 30}
